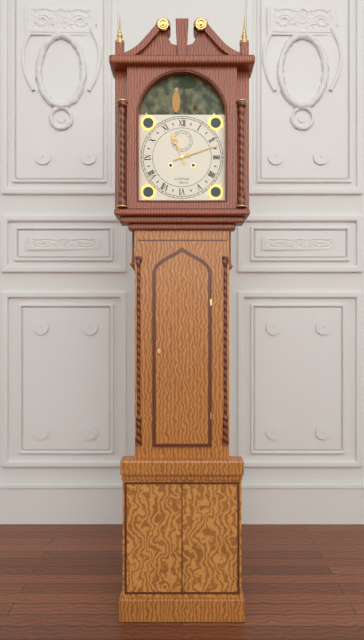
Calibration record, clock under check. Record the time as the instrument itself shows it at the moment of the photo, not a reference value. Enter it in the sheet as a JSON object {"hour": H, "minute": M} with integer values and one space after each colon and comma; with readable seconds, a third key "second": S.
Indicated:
{"hour": 11, "minute": 12}
